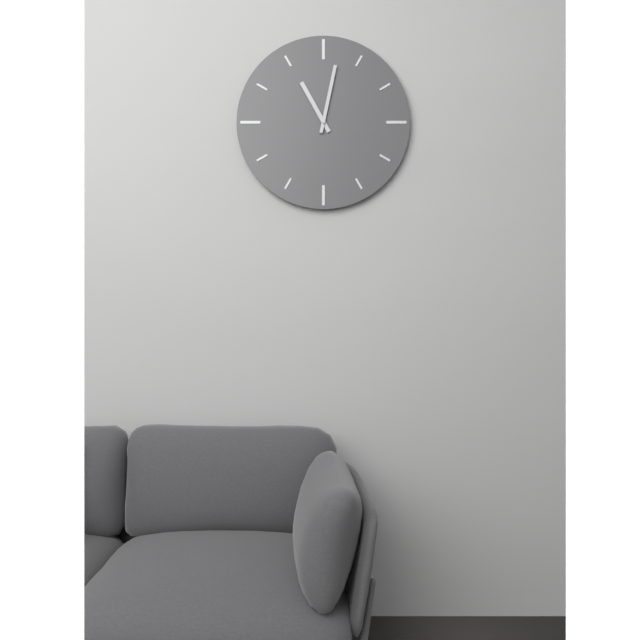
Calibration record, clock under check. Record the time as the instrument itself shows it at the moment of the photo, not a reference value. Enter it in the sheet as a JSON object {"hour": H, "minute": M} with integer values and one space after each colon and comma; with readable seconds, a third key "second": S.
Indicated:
{"hour": 11, "minute": 2}
